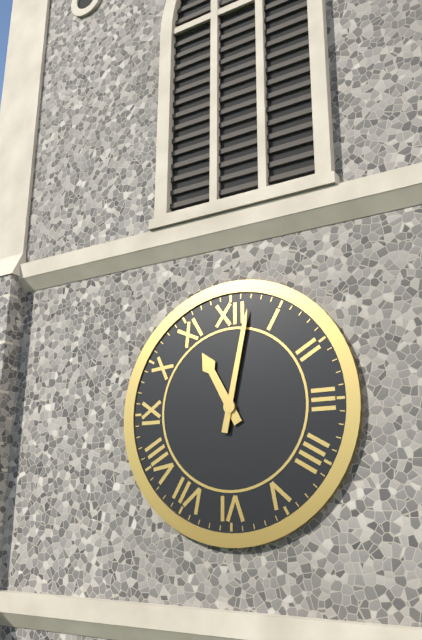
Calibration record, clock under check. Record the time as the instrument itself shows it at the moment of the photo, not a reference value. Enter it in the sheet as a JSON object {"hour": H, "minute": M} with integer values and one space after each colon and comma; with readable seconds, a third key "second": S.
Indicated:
{"hour": 11, "minute": 2}
